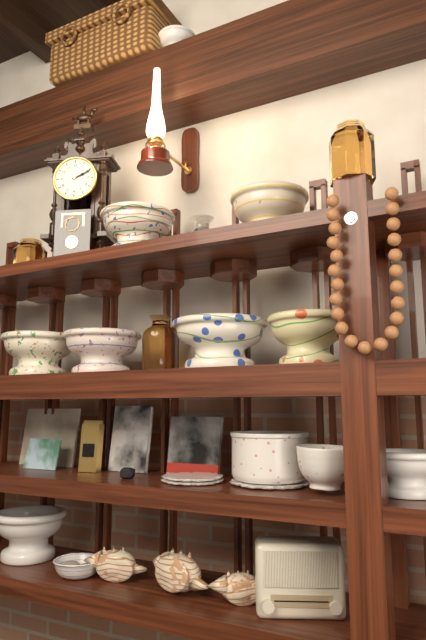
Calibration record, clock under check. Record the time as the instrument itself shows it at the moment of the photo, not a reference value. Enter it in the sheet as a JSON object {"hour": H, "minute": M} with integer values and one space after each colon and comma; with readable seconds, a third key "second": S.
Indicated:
{"hour": 2, "minute": 11}
